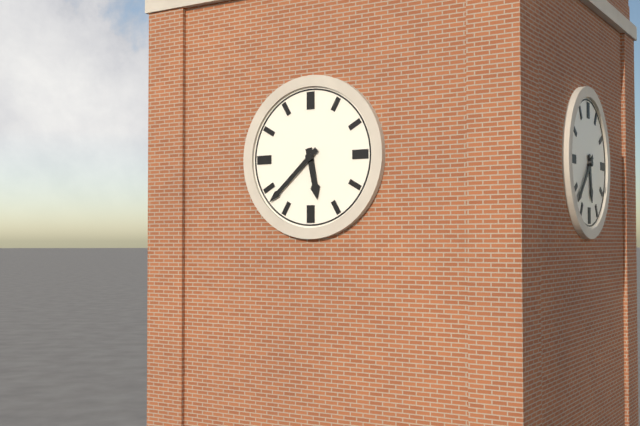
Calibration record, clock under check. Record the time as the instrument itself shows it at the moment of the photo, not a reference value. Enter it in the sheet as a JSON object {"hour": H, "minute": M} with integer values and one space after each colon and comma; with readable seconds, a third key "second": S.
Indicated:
{"hour": 5, "minute": 38}
